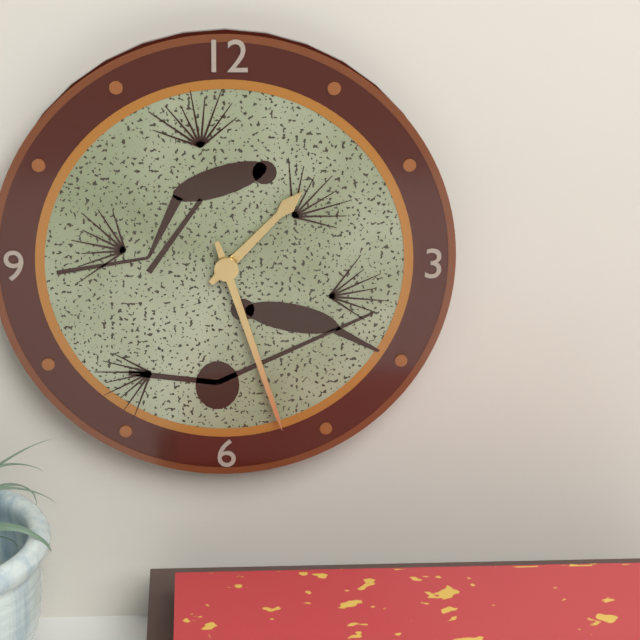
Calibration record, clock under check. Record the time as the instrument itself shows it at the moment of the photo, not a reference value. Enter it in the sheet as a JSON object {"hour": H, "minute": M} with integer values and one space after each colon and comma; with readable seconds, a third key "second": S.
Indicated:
{"hour": 1, "minute": 27}
